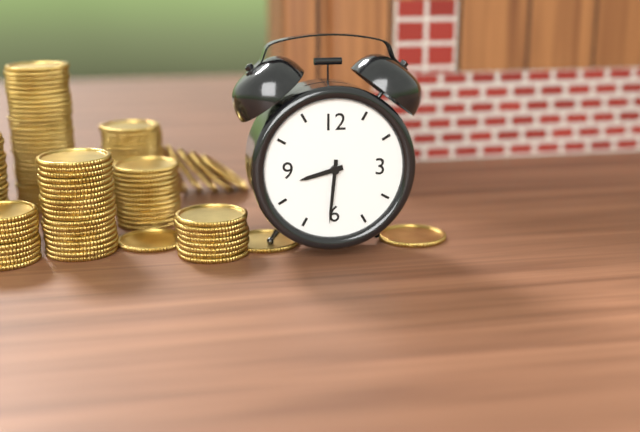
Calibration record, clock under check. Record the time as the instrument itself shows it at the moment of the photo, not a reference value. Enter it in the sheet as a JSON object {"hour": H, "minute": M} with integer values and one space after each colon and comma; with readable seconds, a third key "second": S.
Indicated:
{"hour": 8, "minute": 31}
